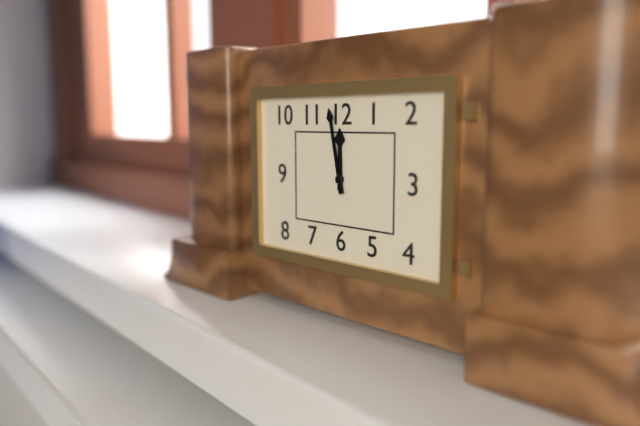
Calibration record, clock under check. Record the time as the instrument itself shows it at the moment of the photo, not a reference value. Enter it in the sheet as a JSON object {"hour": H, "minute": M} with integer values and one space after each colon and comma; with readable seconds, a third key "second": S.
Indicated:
{"hour": 11, "minute": 58}
